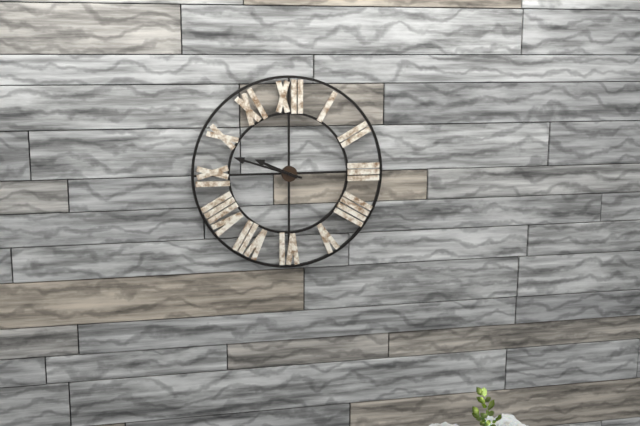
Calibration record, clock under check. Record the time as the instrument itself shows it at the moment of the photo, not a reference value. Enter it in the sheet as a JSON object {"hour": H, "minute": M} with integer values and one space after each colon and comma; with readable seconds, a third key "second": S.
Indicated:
{"hour": 9, "minute": 48}
